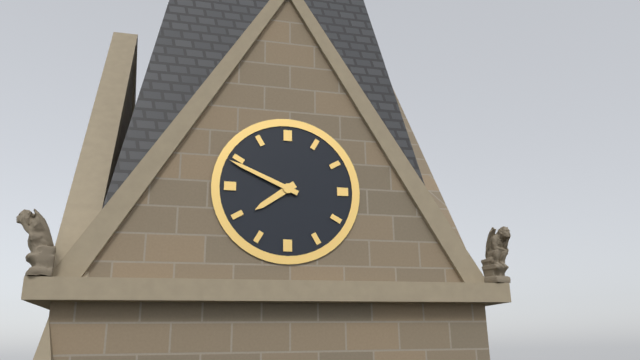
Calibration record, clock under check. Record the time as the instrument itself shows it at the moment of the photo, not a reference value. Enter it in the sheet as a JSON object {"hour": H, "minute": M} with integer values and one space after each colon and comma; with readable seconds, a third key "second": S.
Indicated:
{"hour": 7, "minute": 49}
